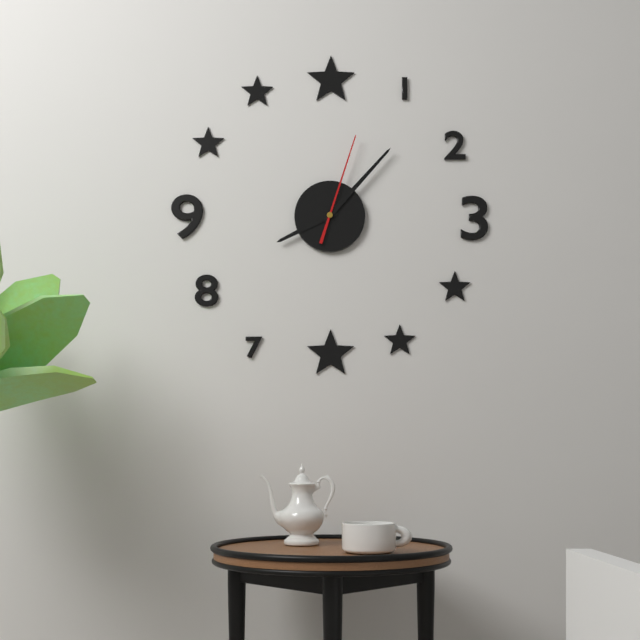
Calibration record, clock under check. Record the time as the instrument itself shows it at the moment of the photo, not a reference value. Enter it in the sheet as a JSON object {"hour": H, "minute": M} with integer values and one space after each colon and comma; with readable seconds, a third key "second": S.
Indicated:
{"hour": 8, "minute": 7, "second": 3}
